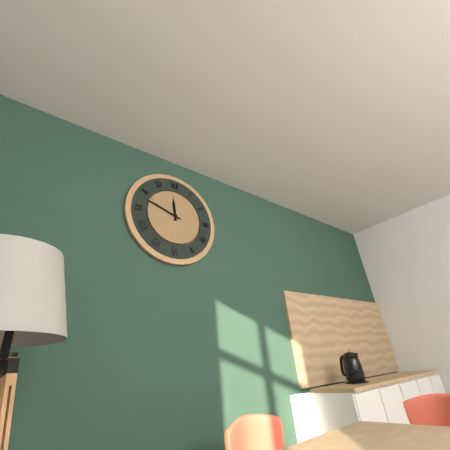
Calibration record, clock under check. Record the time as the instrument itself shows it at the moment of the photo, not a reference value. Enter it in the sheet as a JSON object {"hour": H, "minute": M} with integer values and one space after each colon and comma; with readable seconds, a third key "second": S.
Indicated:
{"hour": 11, "minute": 48}
